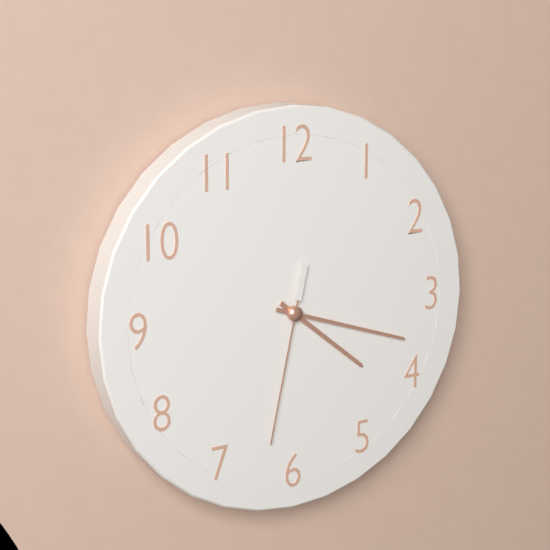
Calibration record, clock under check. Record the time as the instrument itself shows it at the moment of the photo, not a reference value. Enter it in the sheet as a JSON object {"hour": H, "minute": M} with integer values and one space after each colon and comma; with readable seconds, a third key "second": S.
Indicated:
{"hour": 4, "minute": 18, "second": 32}
